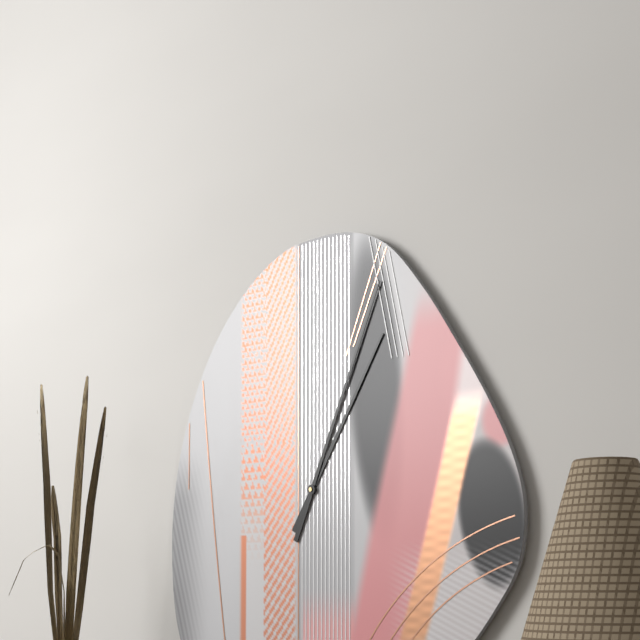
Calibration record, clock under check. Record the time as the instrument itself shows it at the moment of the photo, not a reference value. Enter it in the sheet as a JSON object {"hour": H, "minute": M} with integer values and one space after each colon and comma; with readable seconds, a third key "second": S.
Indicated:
{"hour": 1, "minute": 4}
